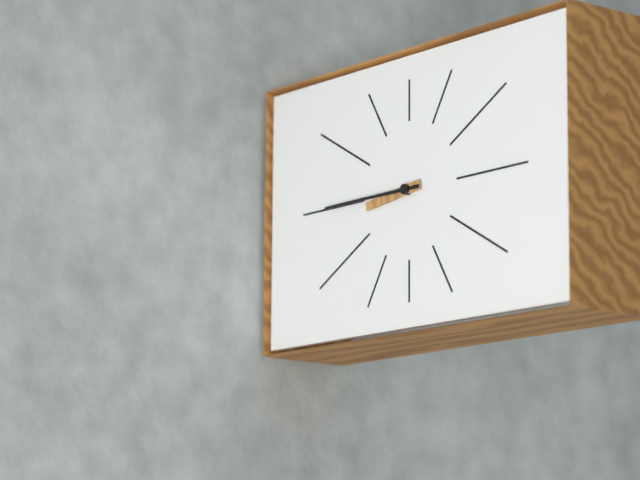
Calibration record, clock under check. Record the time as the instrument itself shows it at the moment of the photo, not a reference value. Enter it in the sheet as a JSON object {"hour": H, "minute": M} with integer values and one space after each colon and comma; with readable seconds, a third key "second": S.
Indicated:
{"hour": 8, "minute": 45}
